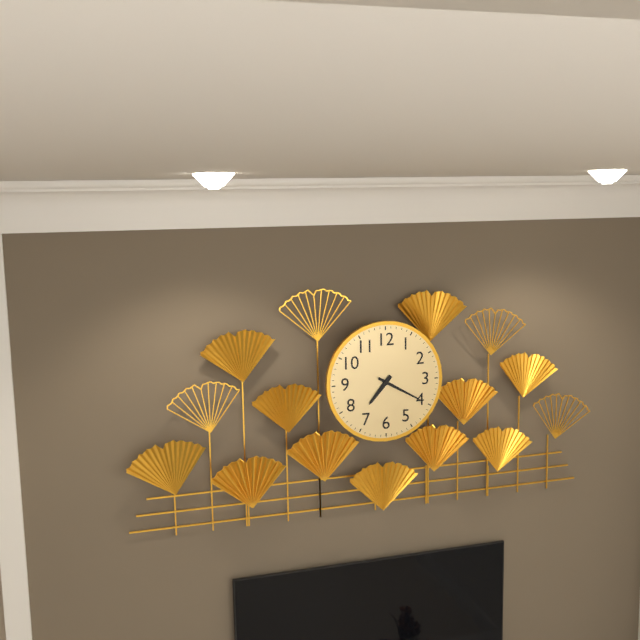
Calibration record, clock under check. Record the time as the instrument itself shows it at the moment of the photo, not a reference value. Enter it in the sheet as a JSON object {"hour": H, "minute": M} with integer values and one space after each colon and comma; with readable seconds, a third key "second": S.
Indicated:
{"hour": 7, "minute": 20}
